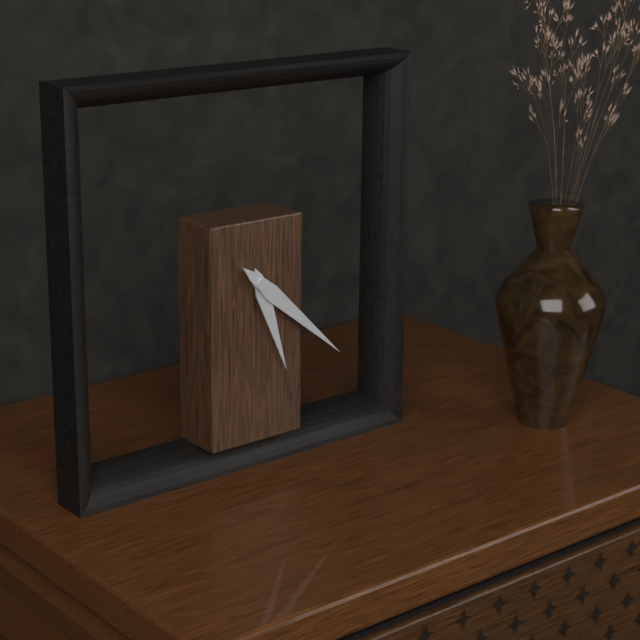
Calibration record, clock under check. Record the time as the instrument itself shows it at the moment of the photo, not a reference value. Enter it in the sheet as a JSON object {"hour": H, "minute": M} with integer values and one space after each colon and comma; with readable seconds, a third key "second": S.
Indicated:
{"hour": 5, "minute": 22}
